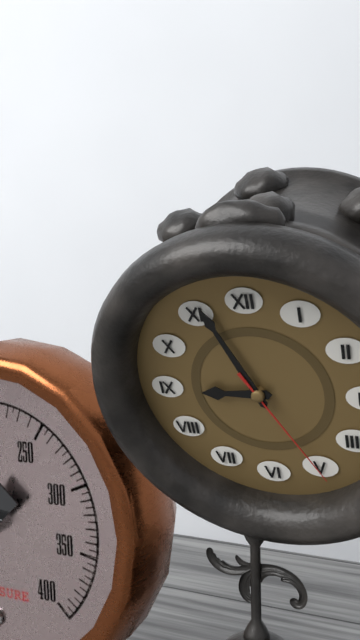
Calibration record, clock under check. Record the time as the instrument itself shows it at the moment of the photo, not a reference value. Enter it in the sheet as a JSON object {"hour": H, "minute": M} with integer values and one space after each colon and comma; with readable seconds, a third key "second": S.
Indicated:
{"hour": 8, "minute": 56, "second": 25}
